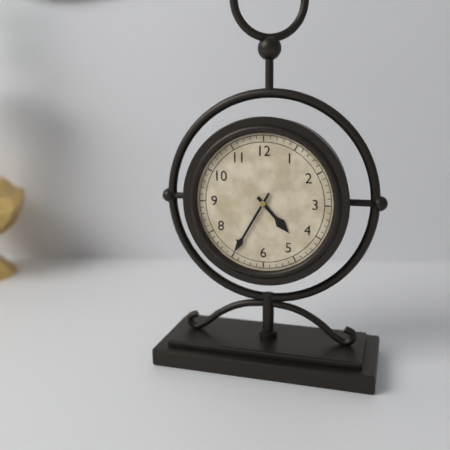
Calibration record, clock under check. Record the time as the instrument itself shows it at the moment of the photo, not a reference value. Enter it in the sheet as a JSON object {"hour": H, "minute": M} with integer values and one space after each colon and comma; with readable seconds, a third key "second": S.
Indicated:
{"hour": 4, "minute": 35}
